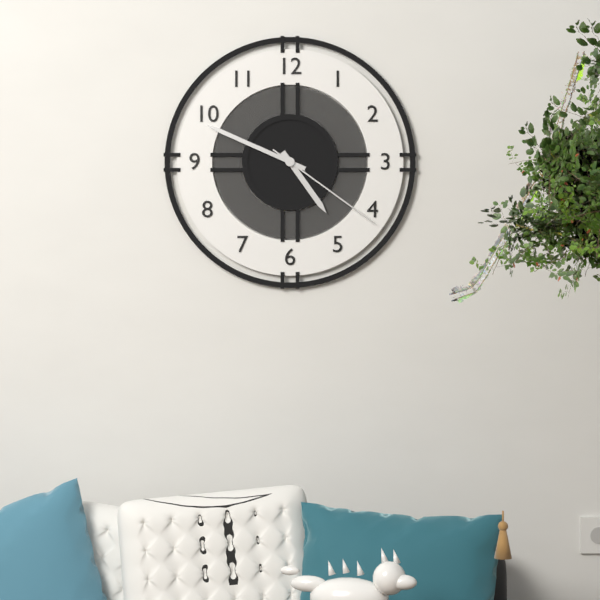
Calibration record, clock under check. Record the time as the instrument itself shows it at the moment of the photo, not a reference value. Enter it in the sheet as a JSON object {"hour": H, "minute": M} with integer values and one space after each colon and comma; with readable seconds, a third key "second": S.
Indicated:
{"hour": 4, "minute": 49, "second": 21}
